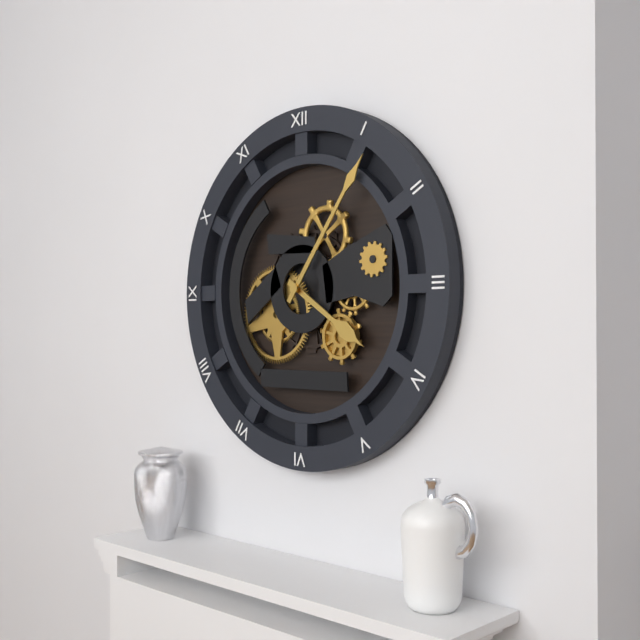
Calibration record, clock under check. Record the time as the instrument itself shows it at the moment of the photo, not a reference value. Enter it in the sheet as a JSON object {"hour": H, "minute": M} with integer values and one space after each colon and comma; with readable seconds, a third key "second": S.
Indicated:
{"hour": 4, "minute": 6}
